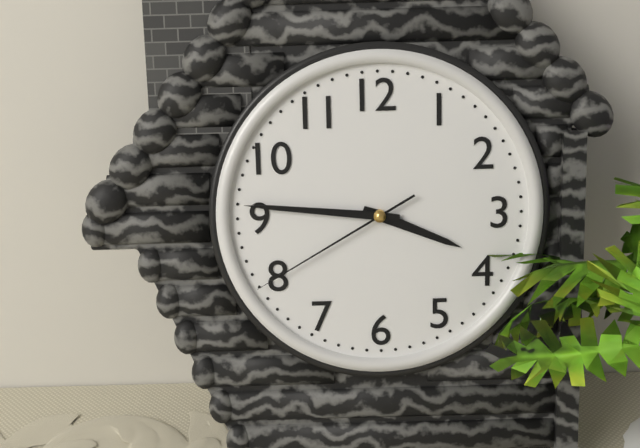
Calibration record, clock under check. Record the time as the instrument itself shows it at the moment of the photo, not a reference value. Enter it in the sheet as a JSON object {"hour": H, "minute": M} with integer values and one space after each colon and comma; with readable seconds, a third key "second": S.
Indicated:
{"hour": 3, "minute": 46, "second": 40}
